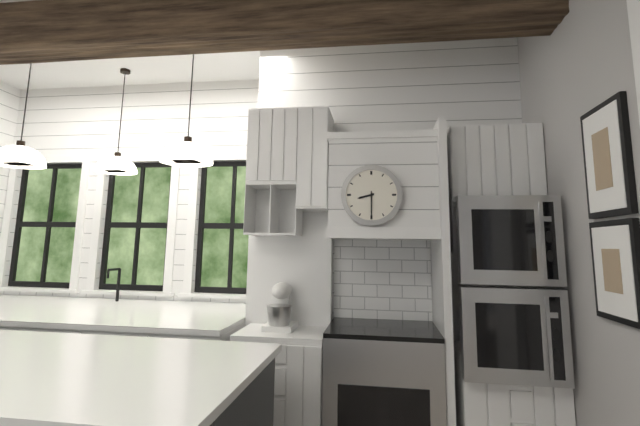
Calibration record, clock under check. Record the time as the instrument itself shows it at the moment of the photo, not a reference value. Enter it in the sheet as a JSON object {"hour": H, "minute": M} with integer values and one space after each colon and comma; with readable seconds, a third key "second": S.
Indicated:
{"hour": 8, "minute": 30}
